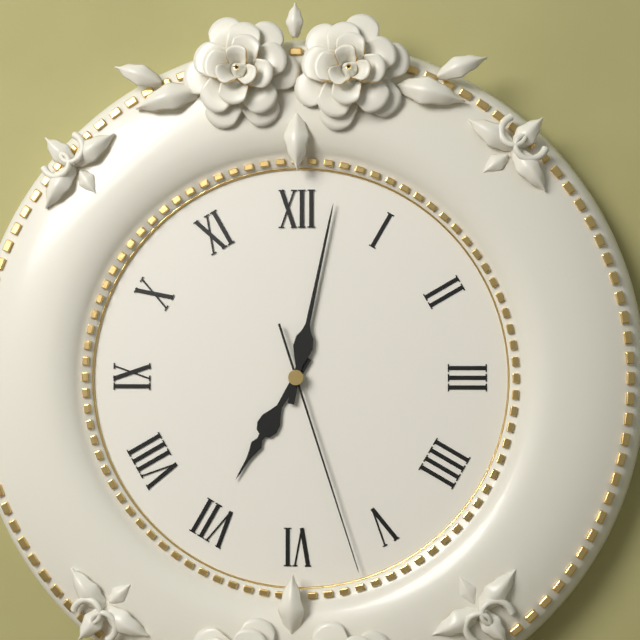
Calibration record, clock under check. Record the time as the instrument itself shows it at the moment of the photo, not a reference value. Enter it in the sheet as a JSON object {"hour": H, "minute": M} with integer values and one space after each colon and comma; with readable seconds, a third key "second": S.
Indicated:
{"hour": 7, "minute": 2, "second": 27}
